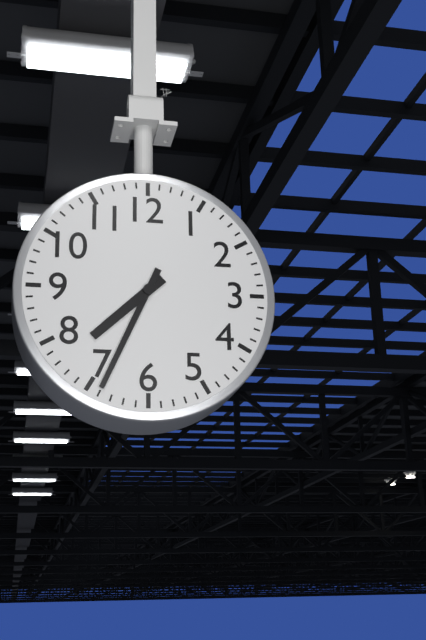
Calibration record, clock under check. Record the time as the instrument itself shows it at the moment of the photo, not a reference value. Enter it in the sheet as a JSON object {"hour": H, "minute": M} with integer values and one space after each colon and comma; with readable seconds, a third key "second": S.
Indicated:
{"hour": 7, "minute": 34}
